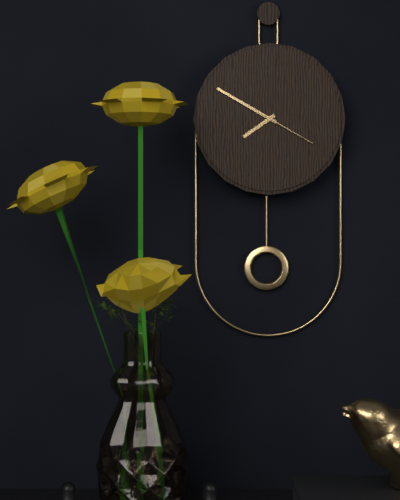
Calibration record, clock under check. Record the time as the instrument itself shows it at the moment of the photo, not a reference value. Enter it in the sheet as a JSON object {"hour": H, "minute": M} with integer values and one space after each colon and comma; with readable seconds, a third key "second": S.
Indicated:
{"hour": 7, "minute": 50, "second": 20}
